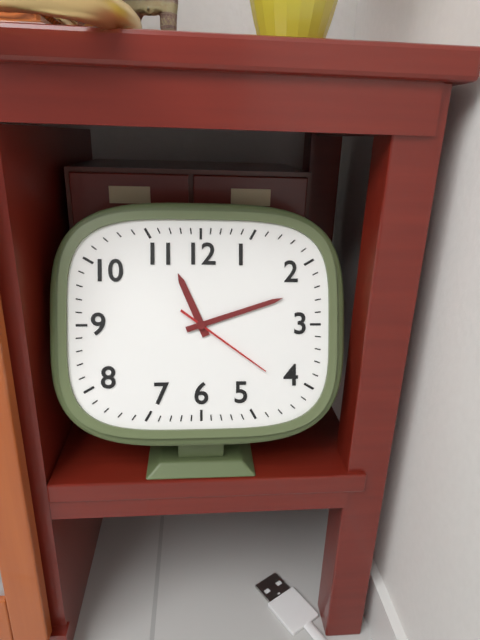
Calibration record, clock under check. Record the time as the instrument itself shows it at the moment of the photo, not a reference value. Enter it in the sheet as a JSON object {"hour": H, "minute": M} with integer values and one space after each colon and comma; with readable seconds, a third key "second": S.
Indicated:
{"hour": 11, "minute": 12, "second": 21}
